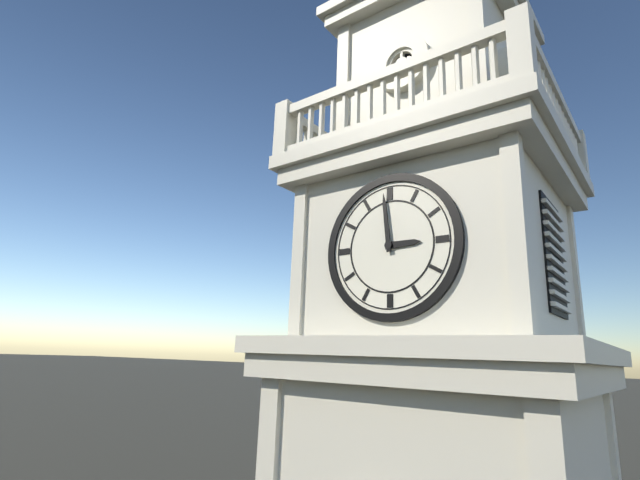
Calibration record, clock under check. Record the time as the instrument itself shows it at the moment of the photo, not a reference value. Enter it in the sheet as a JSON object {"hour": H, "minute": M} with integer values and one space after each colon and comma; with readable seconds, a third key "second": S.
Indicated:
{"hour": 2, "minute": 59}
